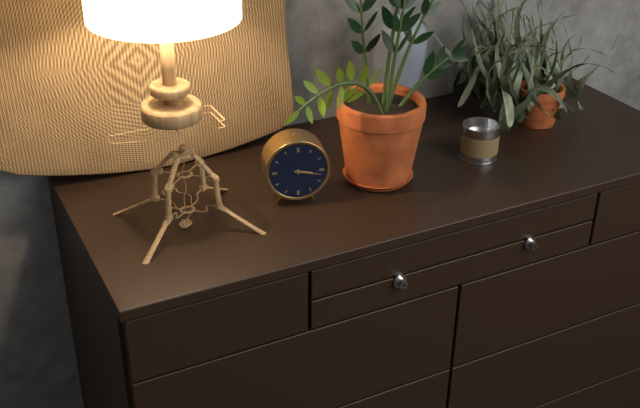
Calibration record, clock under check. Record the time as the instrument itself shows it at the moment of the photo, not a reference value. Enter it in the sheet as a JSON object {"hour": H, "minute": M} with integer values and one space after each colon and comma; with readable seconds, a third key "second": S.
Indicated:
{"hour": 3, "minute": 17}
